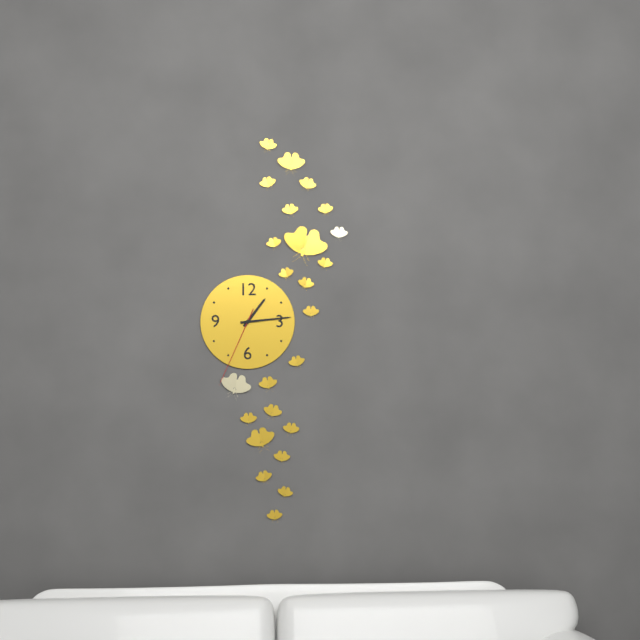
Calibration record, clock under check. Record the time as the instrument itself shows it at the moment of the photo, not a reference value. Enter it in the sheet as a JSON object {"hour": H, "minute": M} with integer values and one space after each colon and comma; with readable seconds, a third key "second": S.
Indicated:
{"hour": 1, "minute": 14, "second": 34}
